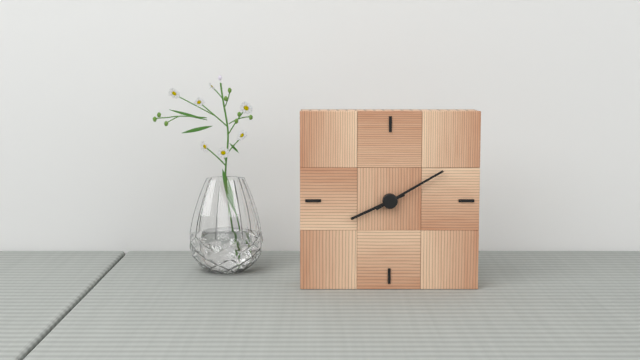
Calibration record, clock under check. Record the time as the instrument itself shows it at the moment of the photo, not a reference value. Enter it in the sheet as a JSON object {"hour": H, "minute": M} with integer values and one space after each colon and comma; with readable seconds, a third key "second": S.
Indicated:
{"hour": 8, "minute": 10}
